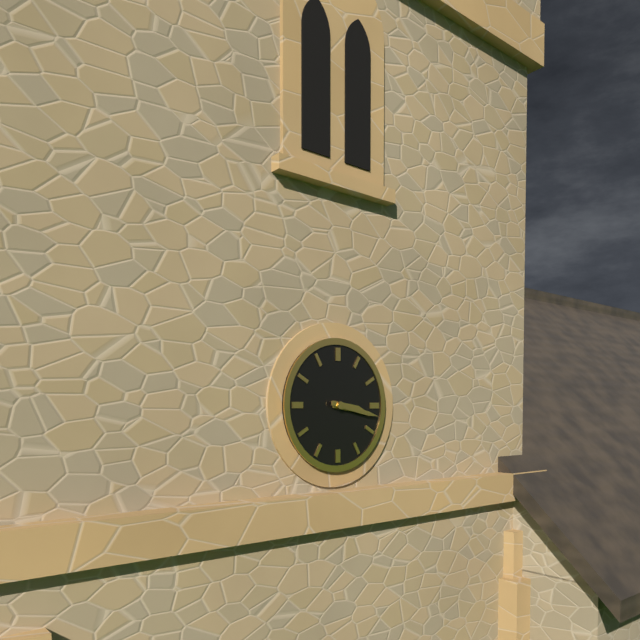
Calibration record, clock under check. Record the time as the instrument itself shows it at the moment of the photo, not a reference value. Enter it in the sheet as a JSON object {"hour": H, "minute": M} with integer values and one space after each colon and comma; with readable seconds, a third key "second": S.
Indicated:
{"hour": 3, "minute": 17}
